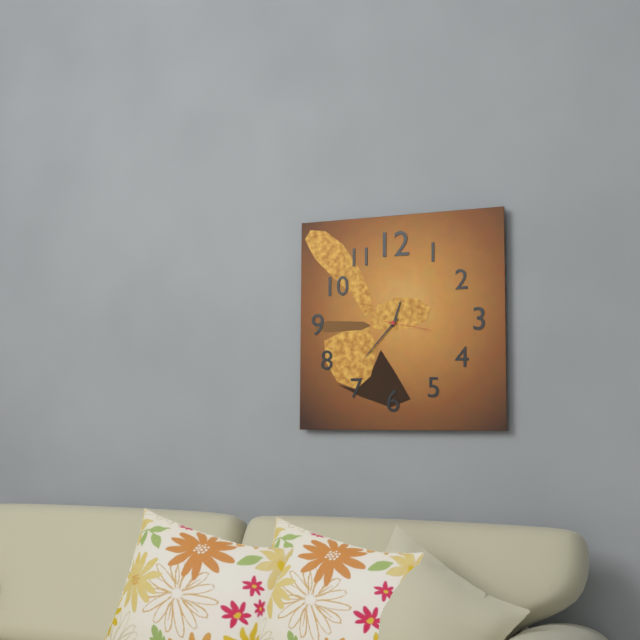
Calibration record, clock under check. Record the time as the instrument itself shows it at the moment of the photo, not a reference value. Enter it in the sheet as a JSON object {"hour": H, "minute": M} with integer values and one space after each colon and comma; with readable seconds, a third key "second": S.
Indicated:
{"hour": 12, "minute": 37}
